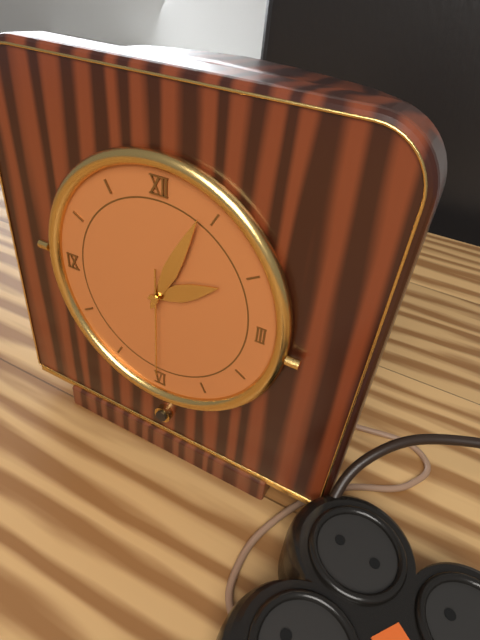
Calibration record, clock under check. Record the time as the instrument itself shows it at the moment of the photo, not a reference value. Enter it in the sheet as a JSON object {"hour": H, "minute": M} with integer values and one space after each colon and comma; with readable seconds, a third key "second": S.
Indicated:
{"hour": 2, "minute": 4, "second": 30}
